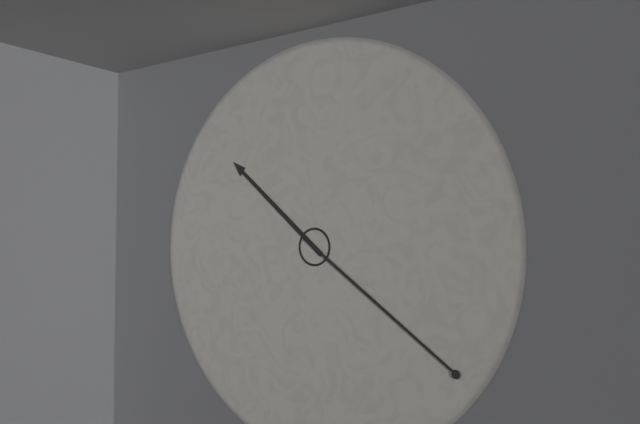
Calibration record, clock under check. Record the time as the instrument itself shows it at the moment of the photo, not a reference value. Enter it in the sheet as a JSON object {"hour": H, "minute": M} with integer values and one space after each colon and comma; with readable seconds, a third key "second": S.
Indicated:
{"hour": 10, "minute": 21}
